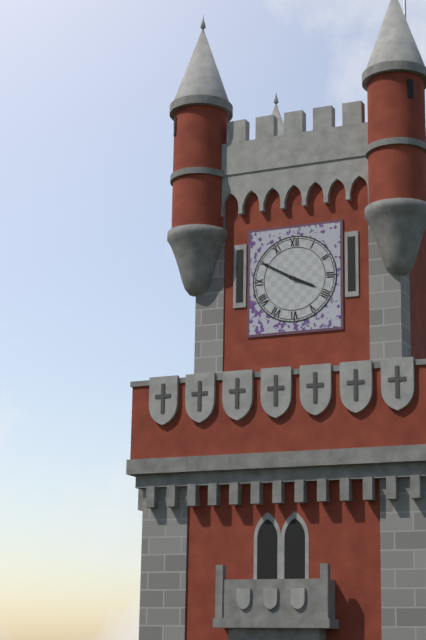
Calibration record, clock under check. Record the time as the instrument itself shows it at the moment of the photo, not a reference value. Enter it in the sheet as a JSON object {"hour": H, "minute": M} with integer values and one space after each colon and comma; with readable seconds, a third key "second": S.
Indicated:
{"hour": 3, "minute": 50}
